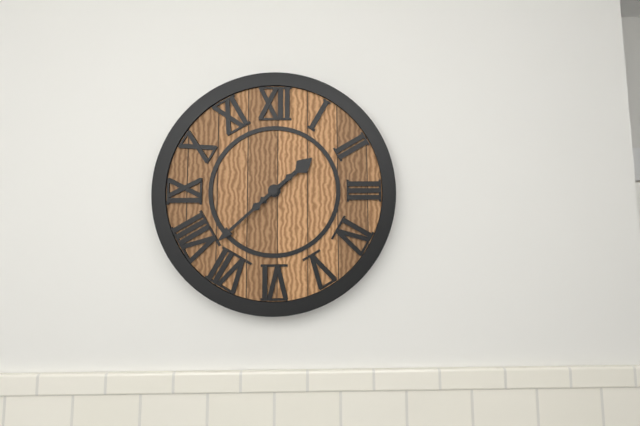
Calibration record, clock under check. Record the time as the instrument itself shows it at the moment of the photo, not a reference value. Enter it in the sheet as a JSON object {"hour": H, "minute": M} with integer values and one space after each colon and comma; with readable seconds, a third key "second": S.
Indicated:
{"hour": 1, "minute": 38}
